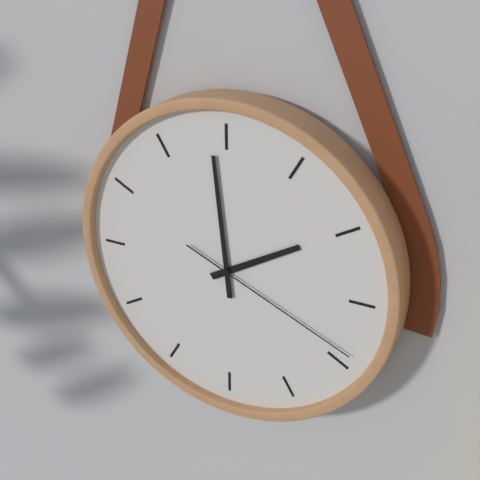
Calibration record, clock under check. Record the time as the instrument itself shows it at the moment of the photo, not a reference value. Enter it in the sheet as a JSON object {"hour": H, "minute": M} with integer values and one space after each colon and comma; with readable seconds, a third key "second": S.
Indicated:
{"hour": 1, "minute": 59, "second": 19}
